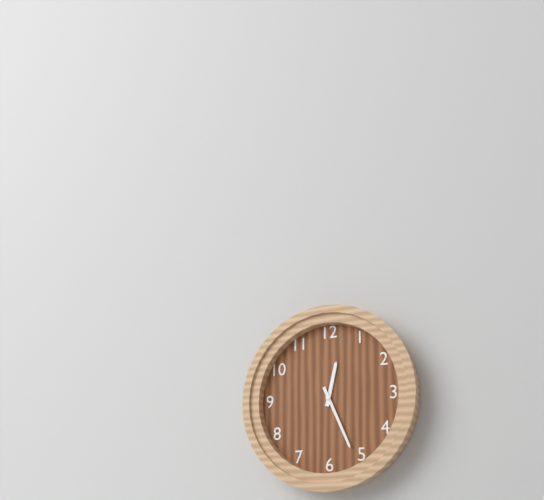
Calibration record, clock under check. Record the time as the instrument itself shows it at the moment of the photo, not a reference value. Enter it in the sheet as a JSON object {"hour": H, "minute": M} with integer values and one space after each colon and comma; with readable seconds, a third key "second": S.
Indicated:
{"hour": 12, "minute": 26}
